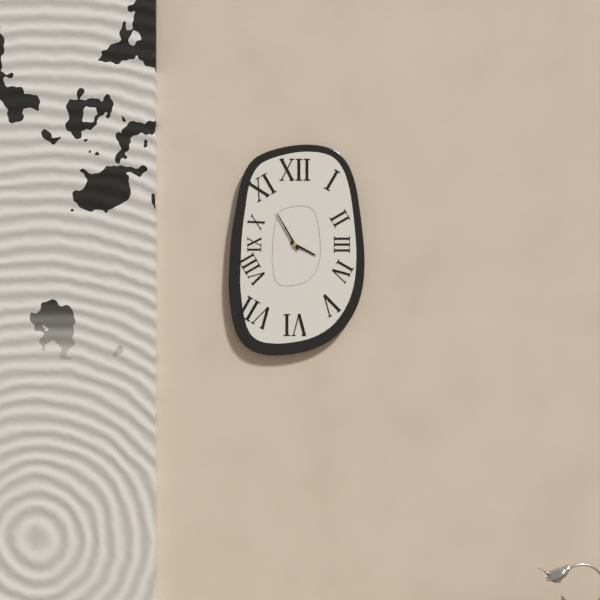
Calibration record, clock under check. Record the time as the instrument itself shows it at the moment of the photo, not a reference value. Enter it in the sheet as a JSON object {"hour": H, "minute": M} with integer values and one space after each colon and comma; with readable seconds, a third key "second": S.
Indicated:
{"hour": 3, "minute": 55}
